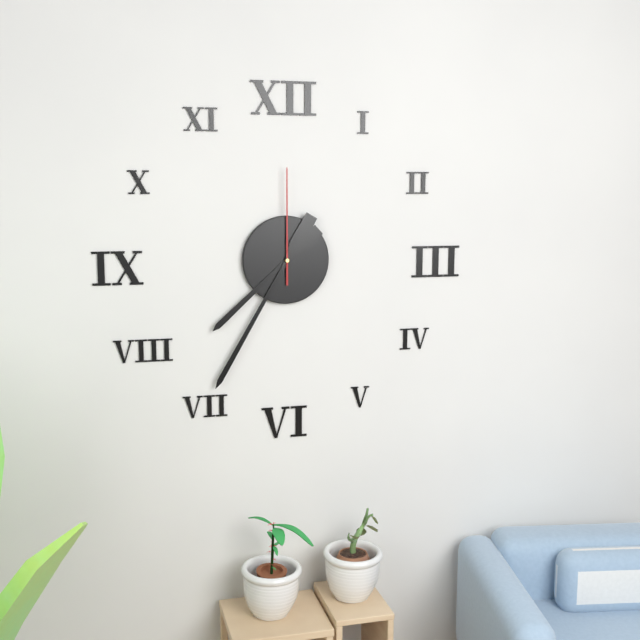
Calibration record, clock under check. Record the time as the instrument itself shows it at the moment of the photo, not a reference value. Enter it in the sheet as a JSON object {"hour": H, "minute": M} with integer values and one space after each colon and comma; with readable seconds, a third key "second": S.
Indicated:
{"hour": 7, "minute": 35, "second": 0}
